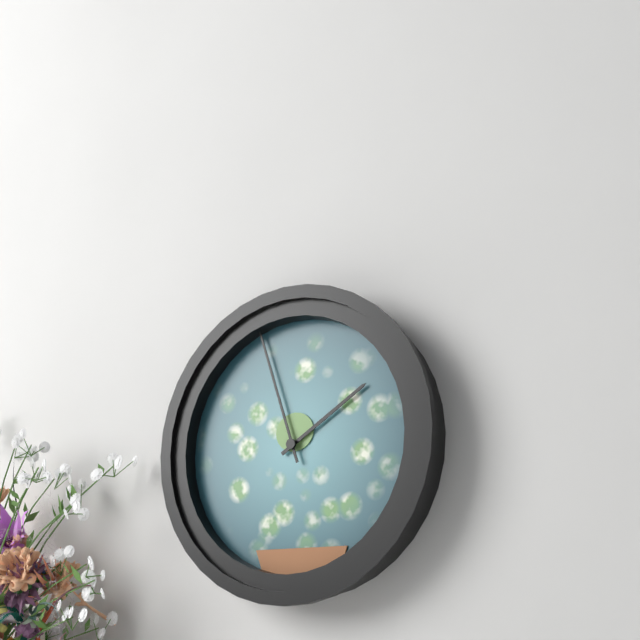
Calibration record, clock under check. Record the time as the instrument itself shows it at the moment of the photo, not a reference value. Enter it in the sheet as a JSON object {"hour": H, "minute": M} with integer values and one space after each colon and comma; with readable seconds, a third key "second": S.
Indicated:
{"hour": 1, "minute": 57}
